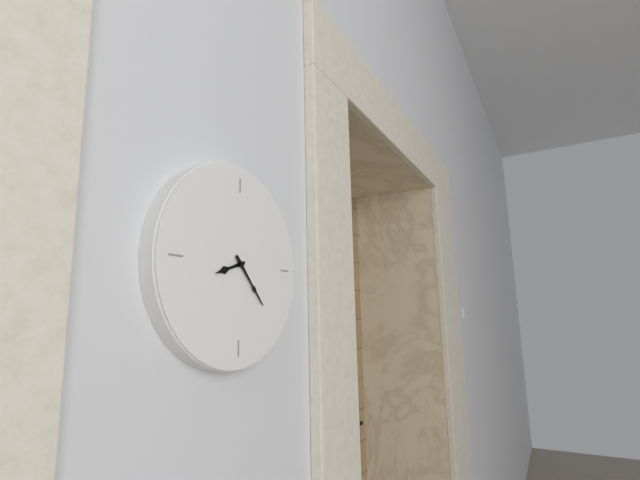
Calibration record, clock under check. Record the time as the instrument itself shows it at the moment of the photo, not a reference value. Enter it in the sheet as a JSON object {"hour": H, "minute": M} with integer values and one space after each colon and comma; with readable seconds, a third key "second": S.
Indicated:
{"hour": 8, "minute": 23}
